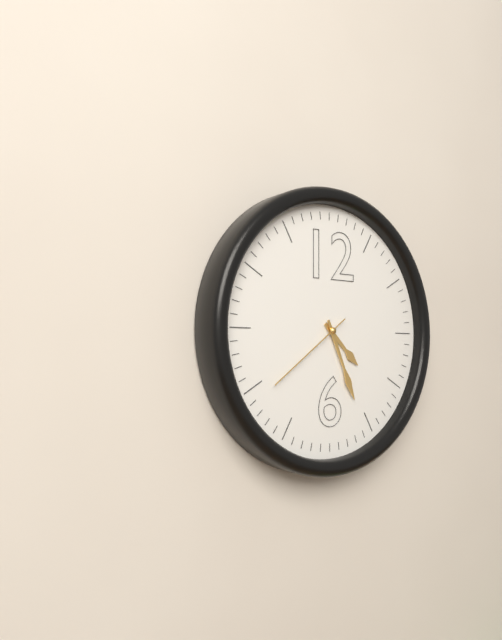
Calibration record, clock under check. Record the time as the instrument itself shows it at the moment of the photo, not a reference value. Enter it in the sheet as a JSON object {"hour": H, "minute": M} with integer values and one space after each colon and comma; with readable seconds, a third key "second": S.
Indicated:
{"hour": 4, "minute": 26, "second": 39}
